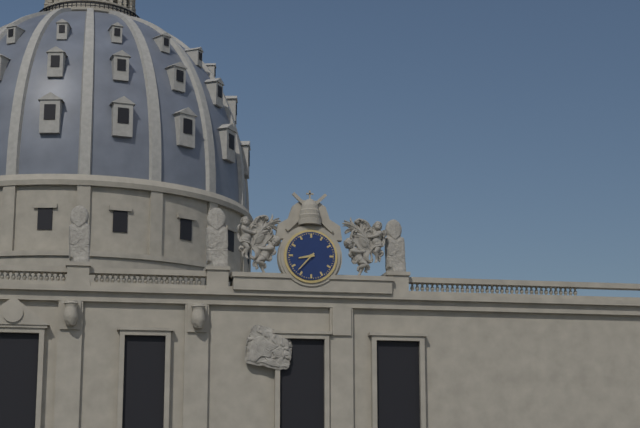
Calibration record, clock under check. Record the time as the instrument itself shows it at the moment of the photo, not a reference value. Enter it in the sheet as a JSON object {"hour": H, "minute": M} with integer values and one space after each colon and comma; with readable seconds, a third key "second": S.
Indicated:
{"hour": 8, "minute": 37}
